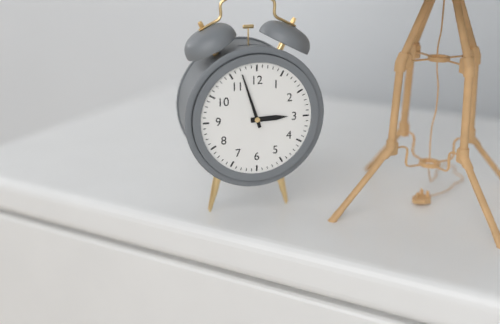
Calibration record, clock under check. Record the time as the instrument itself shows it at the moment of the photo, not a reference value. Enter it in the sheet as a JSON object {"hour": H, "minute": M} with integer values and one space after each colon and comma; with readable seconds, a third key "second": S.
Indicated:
{"hour": 2, "minute": 57}
